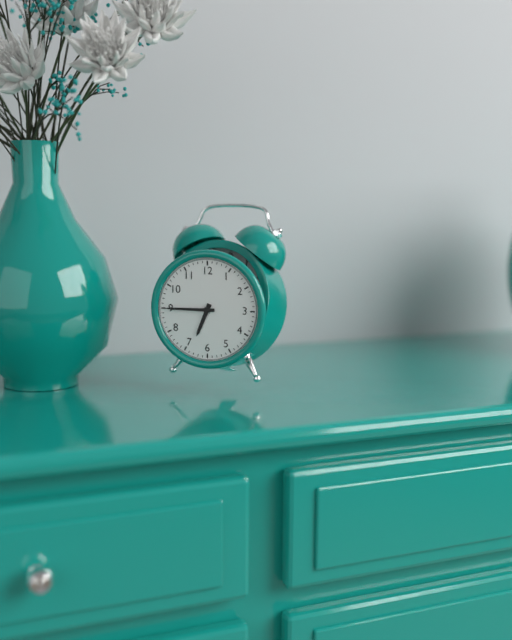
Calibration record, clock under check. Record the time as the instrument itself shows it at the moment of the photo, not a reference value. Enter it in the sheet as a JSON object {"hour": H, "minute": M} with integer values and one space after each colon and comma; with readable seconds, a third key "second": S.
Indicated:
{"hour": 6, "minute": 45}
